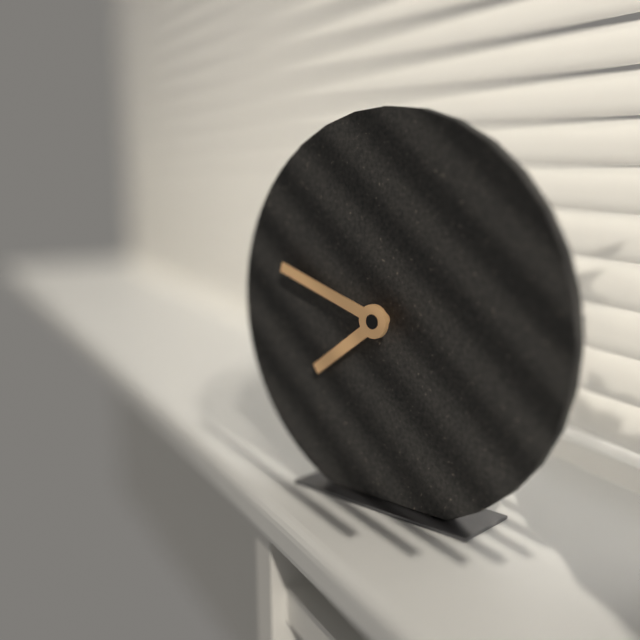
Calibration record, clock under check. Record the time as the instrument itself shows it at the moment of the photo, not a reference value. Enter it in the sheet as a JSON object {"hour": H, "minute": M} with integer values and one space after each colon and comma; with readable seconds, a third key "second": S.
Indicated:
{"hour": 7, "minute": 48}
